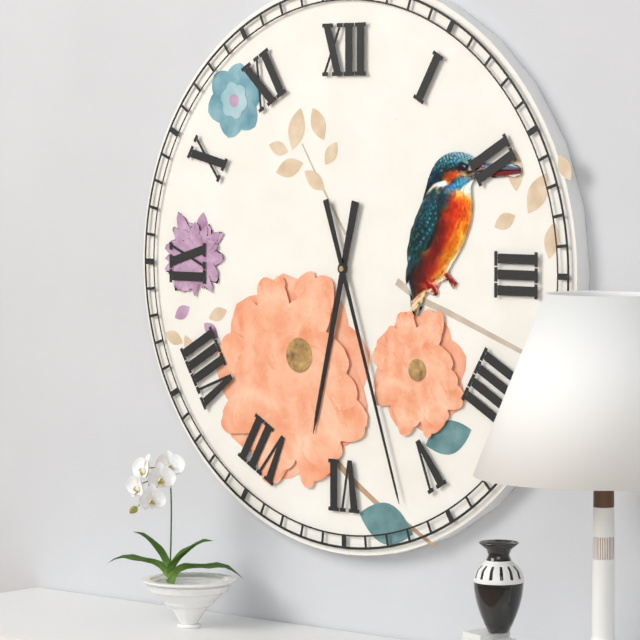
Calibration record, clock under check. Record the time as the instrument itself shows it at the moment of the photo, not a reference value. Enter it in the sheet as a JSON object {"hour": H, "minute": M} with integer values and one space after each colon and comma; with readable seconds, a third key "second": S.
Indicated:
{"hour": 6, "minute": 27}
